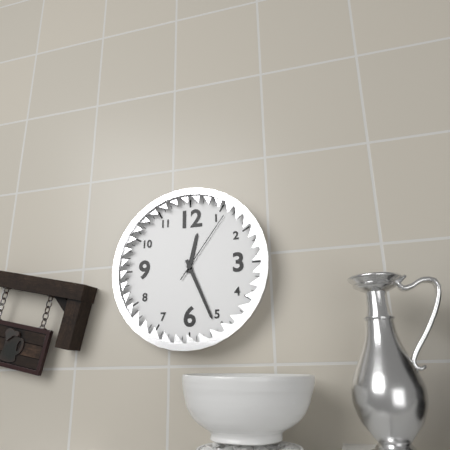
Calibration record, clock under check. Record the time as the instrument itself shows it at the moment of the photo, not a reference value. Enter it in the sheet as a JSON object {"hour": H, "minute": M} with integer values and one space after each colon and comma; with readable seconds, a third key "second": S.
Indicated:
{"hour": 12, "minute": 26, "second": 6}
